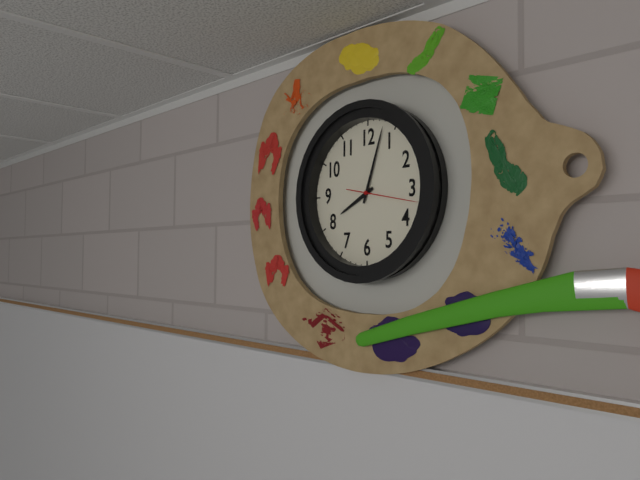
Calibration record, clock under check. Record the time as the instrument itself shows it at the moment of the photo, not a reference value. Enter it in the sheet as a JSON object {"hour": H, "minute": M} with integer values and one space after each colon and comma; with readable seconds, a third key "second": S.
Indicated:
{"hour": 8, "minute": 3, "second": 17}
